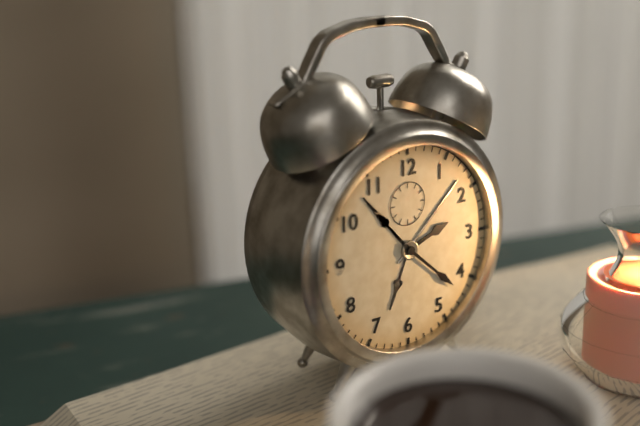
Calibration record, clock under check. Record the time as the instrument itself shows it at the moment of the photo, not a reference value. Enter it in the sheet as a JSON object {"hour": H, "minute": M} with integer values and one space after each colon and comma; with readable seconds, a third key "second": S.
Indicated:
{"hour": 2, "minute": 22}
